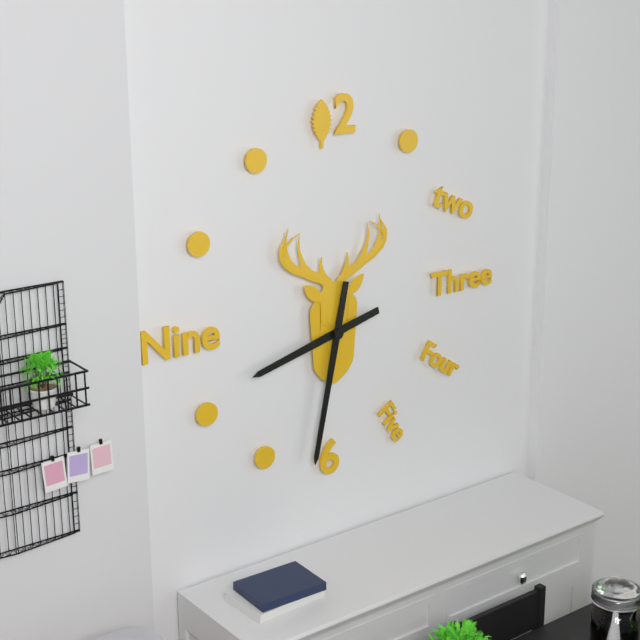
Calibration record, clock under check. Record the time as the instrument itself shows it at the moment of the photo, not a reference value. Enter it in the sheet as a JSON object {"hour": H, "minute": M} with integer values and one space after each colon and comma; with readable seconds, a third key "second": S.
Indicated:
{"hour": 8, "minute": 32}
